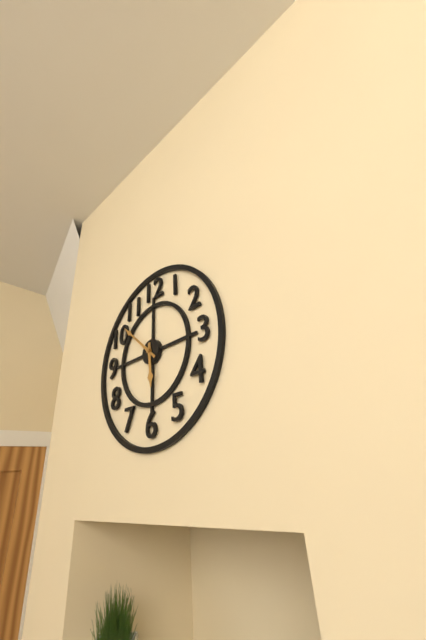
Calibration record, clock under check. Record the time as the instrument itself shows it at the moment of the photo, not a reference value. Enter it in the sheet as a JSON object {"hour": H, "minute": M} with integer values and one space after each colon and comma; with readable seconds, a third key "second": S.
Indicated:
{"hour": 5, "minute": 52}
